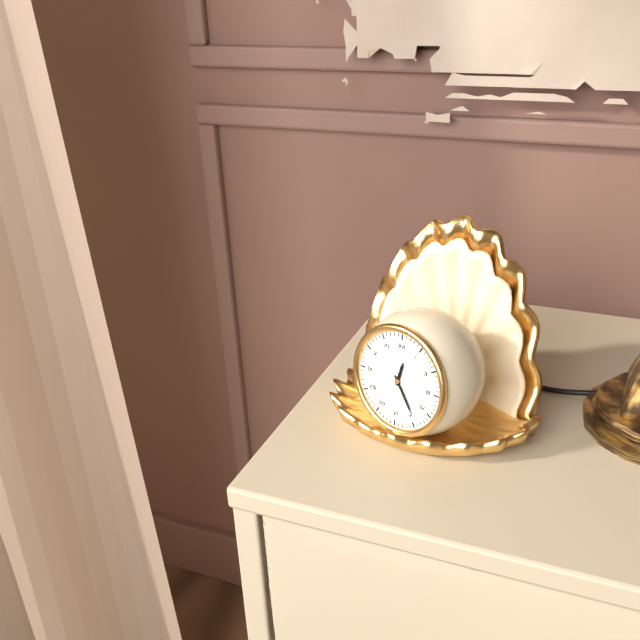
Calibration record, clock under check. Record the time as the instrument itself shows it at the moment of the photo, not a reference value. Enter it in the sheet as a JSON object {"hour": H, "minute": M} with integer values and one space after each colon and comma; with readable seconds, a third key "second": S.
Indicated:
{"hour": 12, "minute": 24}
